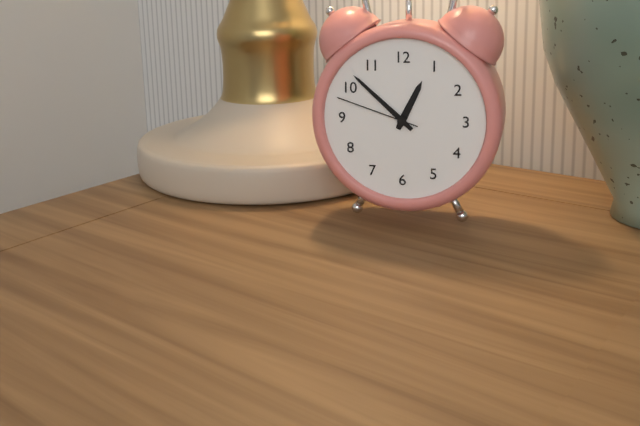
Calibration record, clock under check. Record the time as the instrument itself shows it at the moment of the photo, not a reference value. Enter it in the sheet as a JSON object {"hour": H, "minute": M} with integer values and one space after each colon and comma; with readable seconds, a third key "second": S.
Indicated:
{"hour": 12, "minute": 52, "second": 48}
